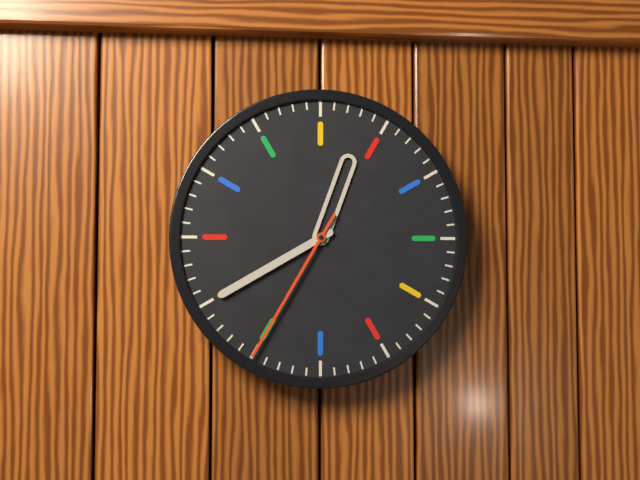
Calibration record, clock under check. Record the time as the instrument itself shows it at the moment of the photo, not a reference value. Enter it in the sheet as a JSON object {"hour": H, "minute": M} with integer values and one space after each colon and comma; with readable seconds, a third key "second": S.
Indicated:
{"hour": 12, "minute": 40, "second": 35}
